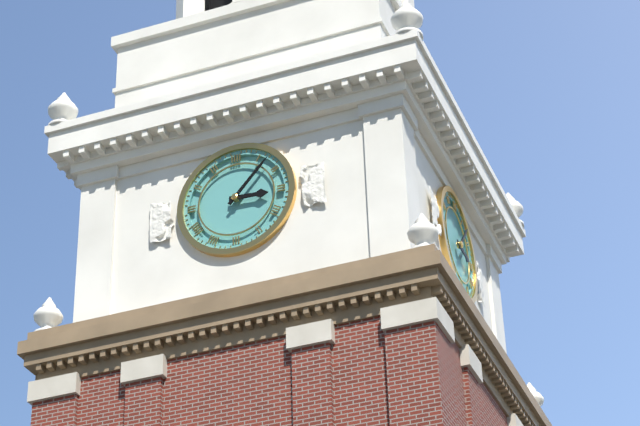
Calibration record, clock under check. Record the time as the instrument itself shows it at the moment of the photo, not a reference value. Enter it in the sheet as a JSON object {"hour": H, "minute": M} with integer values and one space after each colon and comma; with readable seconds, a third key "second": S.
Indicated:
{"hour": 3, "minute": 7}
